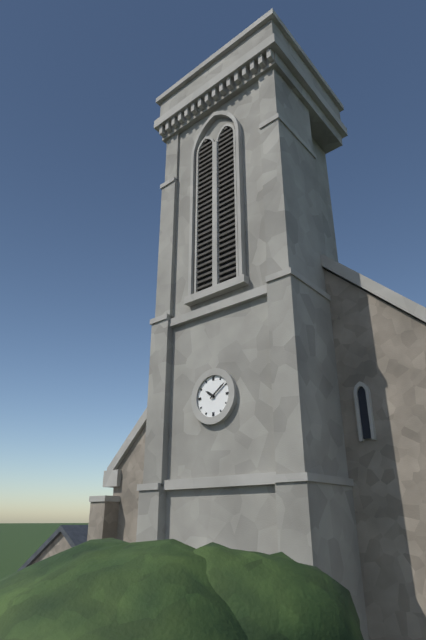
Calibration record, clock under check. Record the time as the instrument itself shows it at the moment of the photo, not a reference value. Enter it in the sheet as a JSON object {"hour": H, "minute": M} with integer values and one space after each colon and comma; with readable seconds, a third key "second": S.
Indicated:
{"hour": 10, "minute": 9}
